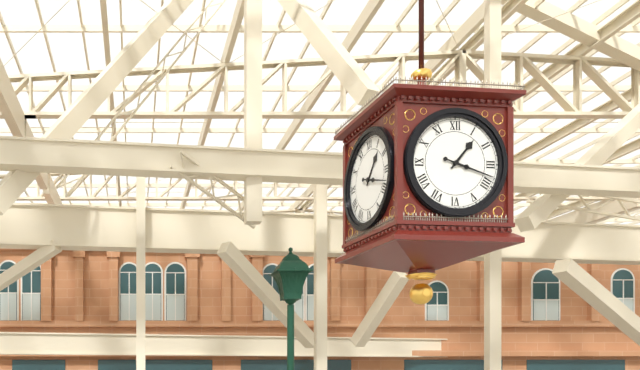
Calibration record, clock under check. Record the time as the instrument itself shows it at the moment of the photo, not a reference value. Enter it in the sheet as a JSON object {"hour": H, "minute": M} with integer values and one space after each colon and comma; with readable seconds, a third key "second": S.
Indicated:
{"hour": 1, "minute": 18}
